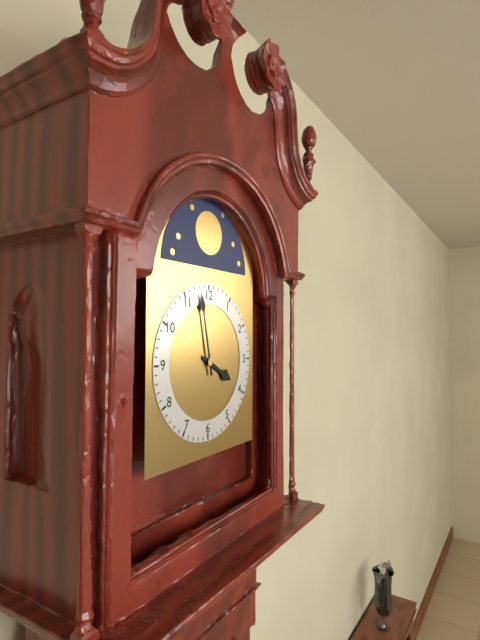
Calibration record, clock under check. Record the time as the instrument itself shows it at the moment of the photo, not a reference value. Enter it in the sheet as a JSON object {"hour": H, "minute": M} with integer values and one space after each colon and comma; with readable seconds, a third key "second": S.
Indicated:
{"hour": 3, "minute": 58}
